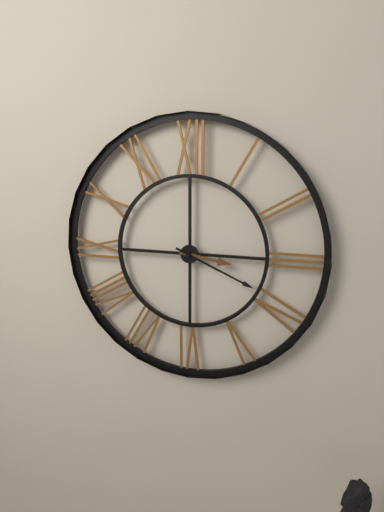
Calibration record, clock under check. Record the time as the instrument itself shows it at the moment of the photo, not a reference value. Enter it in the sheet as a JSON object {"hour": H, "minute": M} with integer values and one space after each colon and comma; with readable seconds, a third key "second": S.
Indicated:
{"hour": 3, "minute": 19}
